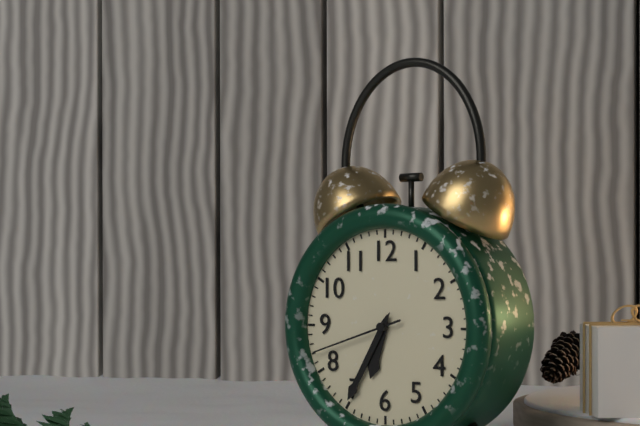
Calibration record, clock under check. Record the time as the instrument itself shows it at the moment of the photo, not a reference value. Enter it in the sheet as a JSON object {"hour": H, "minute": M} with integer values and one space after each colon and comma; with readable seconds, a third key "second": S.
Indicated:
{"hour": 6, "minute": 35, "second": 42}
